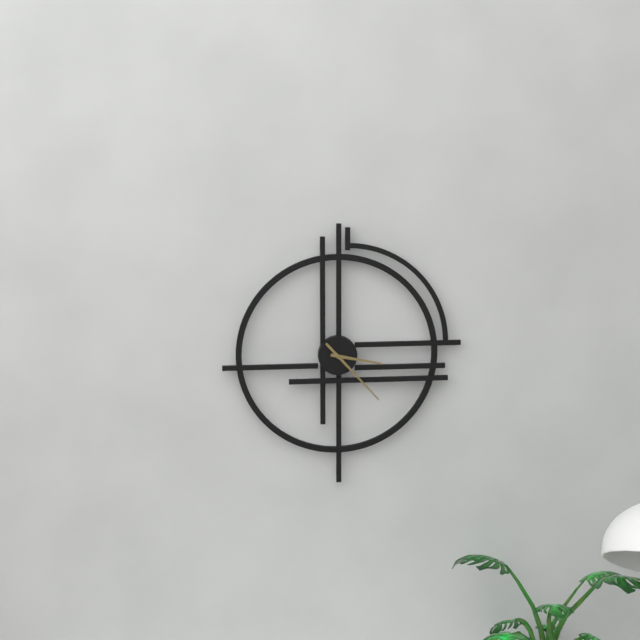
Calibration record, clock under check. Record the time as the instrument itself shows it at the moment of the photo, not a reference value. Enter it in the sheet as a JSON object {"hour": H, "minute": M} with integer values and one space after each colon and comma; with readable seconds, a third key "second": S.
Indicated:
{"hour": 3, "minute": 23}
